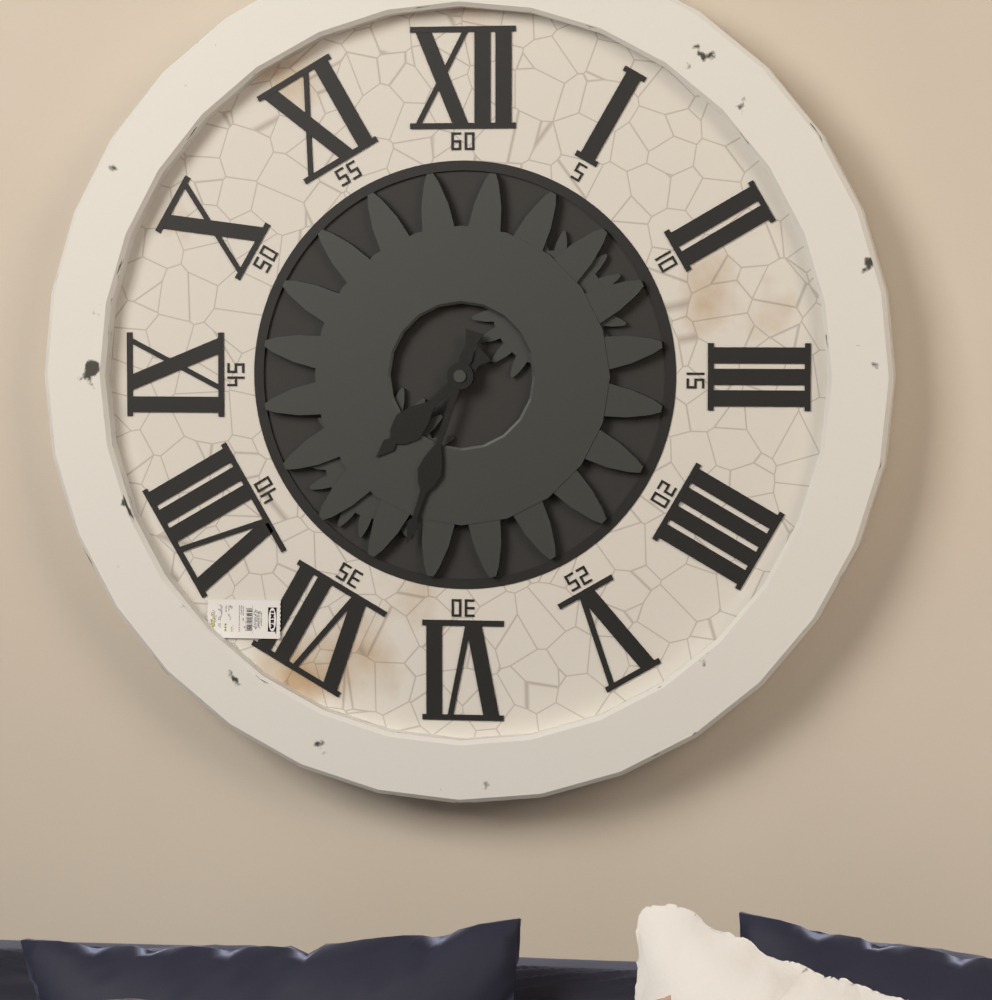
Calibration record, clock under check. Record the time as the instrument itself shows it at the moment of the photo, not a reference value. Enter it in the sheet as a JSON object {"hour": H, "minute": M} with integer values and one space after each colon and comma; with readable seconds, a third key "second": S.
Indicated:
{"hour": 7, "minute": 33}
